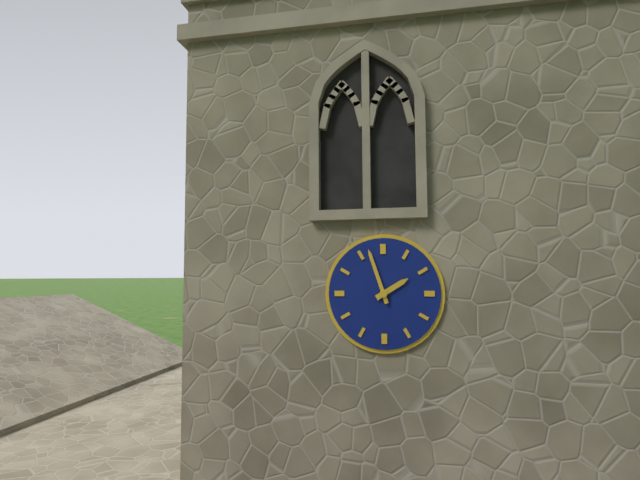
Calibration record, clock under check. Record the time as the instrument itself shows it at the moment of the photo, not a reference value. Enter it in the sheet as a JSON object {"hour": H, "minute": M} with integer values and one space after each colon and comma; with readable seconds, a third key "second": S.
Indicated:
{"hour": 1, "minute": 57}
